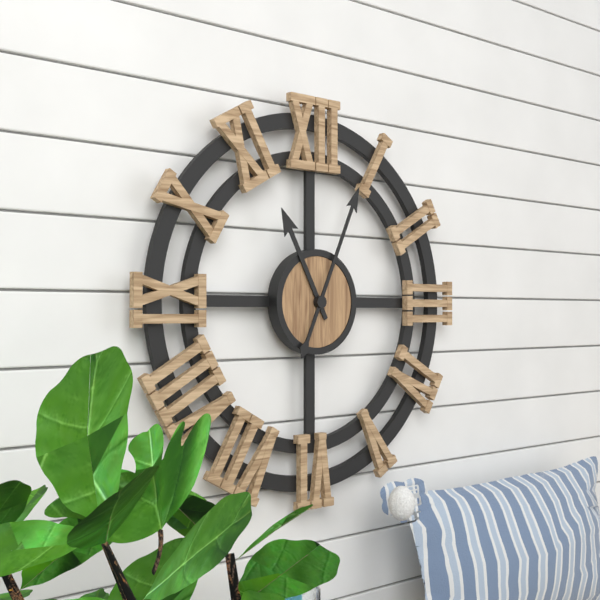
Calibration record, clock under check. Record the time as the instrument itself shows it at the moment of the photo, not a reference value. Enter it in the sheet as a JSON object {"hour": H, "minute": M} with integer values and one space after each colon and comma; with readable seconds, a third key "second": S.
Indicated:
{"hour": 11, "minute": 4}
